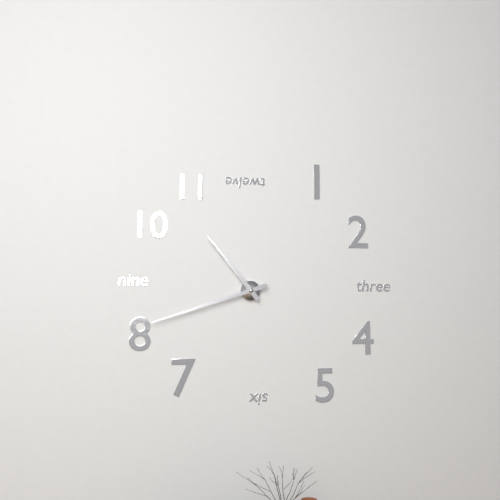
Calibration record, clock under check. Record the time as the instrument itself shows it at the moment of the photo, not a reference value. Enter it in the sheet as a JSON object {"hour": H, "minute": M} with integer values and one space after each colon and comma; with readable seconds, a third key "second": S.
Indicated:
{"hour": 10, "minute": 42}
